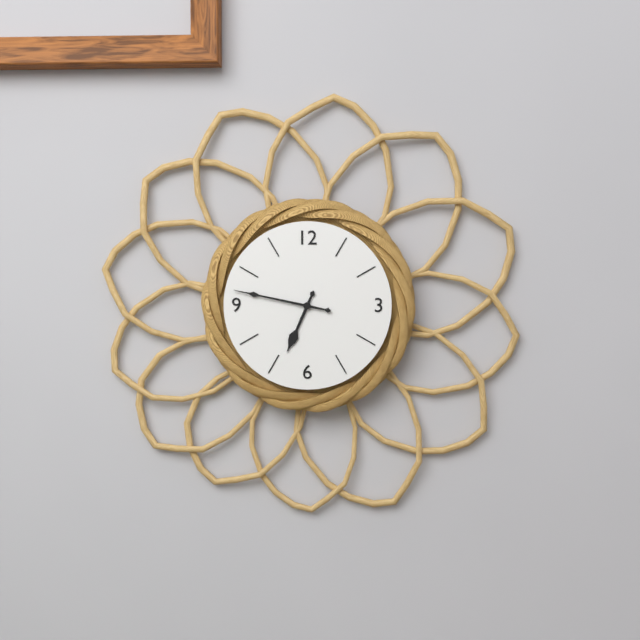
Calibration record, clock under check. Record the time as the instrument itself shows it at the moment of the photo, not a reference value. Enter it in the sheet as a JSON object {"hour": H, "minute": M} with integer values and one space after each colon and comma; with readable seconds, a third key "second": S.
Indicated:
{"hour": 6, "minute": 47}
